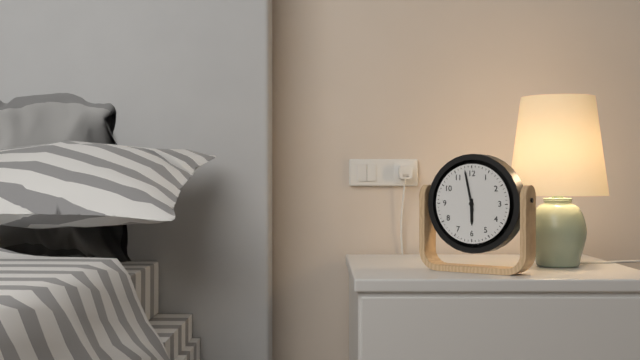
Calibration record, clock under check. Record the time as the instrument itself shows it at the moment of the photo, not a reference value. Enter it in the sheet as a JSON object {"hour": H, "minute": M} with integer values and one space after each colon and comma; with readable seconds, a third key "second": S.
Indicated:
{"hour": 5, "minute": 58}
